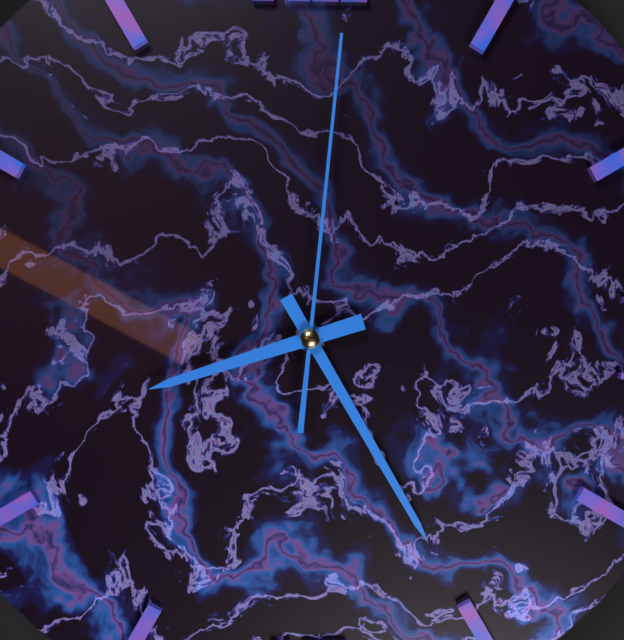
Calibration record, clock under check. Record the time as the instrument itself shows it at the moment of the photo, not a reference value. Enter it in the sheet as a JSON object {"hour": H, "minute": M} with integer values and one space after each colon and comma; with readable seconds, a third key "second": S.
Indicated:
{"hour": 8, "minute": 25, "second": 1}
